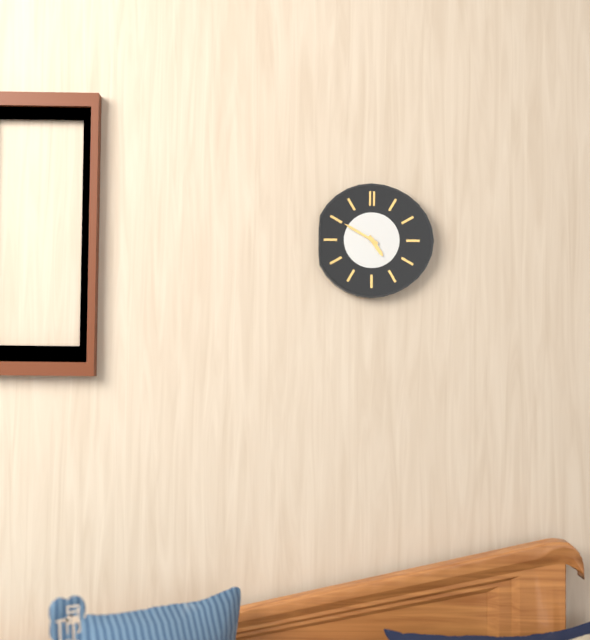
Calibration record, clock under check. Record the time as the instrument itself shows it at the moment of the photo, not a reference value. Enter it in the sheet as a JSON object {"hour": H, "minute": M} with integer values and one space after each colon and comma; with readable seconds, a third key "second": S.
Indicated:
{"hour": 4, "minute": 50}
